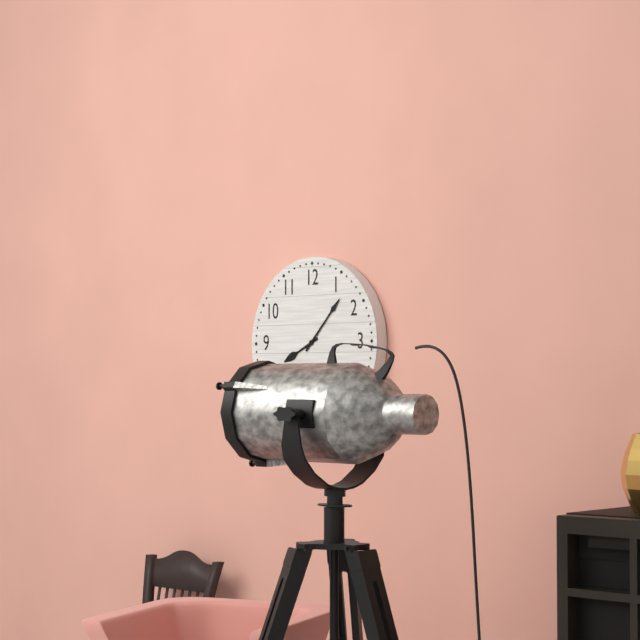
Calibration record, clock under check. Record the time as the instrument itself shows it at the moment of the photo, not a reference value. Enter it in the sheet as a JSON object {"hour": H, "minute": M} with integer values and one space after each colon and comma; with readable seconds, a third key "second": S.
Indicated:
{"hour": 8, "minute": 7}
